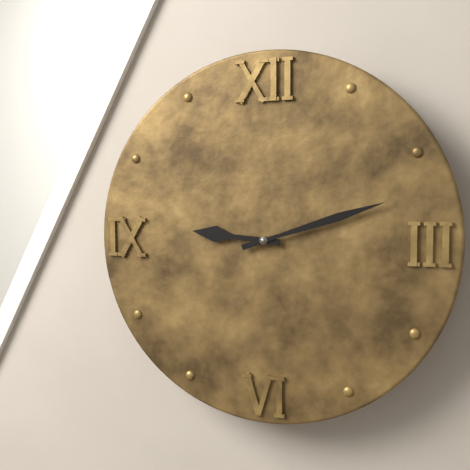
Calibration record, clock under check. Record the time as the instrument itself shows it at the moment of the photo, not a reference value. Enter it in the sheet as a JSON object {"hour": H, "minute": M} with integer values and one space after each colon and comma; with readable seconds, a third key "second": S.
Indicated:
{"hour": 9, "minute": 12}
